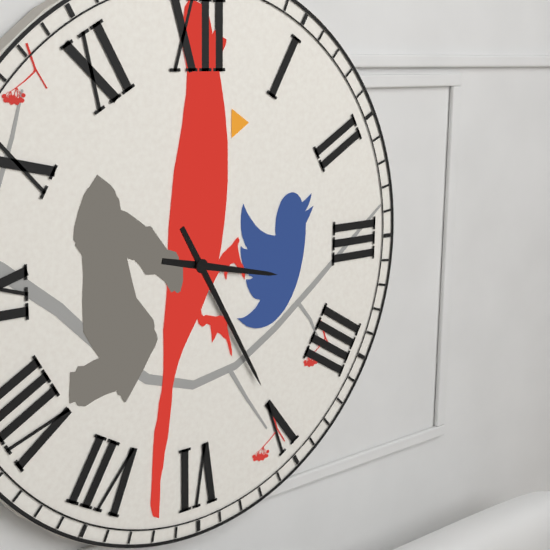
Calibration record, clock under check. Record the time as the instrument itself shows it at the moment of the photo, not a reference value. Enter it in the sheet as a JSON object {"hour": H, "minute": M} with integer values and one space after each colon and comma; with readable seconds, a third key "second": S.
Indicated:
{"hour": 3, "minute": 25}
